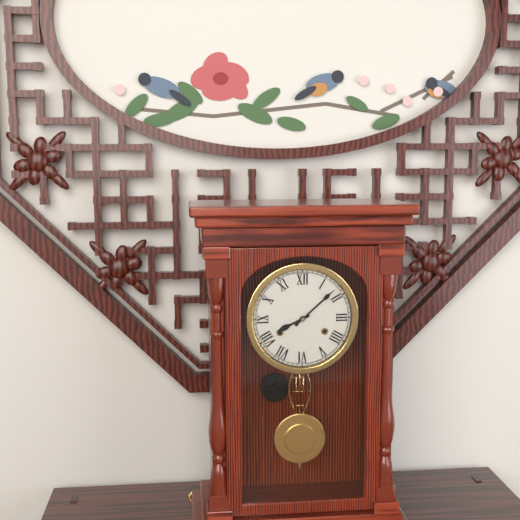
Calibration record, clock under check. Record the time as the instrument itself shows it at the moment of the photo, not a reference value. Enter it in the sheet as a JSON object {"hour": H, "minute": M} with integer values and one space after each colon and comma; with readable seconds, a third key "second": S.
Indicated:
{"hour": 8, "minute": 8}
